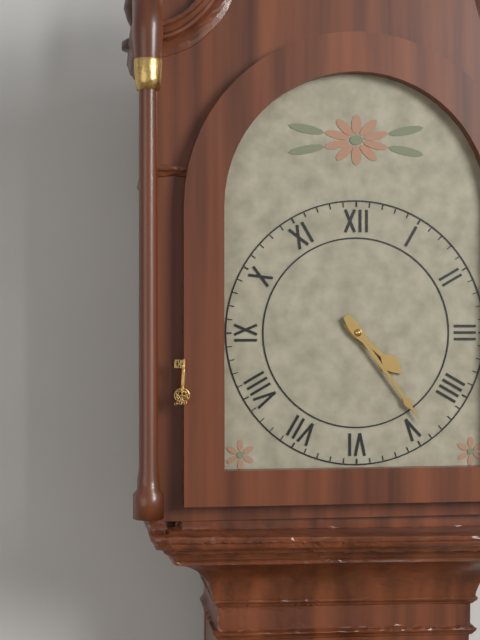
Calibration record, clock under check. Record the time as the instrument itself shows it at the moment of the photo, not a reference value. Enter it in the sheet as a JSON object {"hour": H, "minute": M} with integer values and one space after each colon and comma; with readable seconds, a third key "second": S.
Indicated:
{"hour": 4, "minute": 24}
